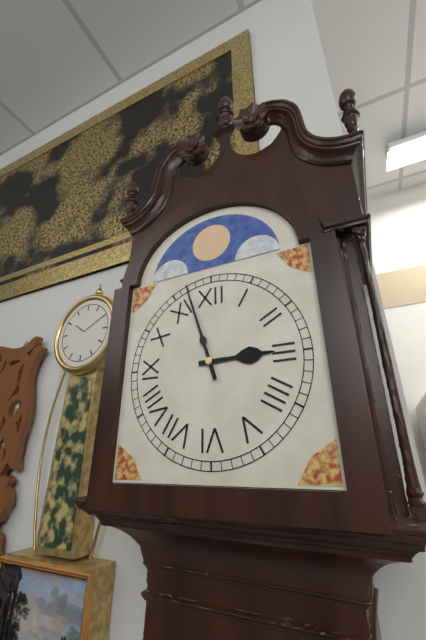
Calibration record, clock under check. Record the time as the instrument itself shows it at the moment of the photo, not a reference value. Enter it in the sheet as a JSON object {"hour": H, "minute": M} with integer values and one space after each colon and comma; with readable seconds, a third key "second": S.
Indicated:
{"hour": 2, "minute": 57}
